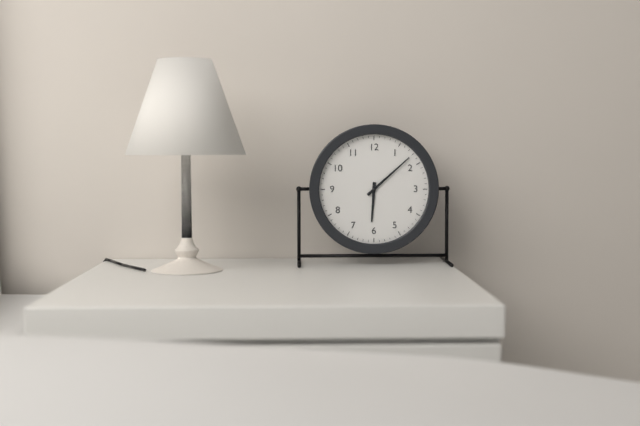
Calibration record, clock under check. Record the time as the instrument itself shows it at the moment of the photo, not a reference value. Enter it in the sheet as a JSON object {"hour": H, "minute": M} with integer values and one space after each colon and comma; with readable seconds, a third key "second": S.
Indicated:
{"hour": 6, "minute": 8}
